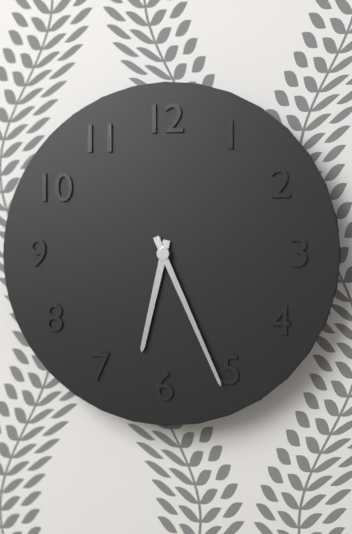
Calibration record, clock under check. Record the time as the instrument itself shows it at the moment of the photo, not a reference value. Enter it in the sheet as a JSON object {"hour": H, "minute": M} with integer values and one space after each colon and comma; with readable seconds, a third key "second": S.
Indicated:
{"hour": 6, "minute": 26}
